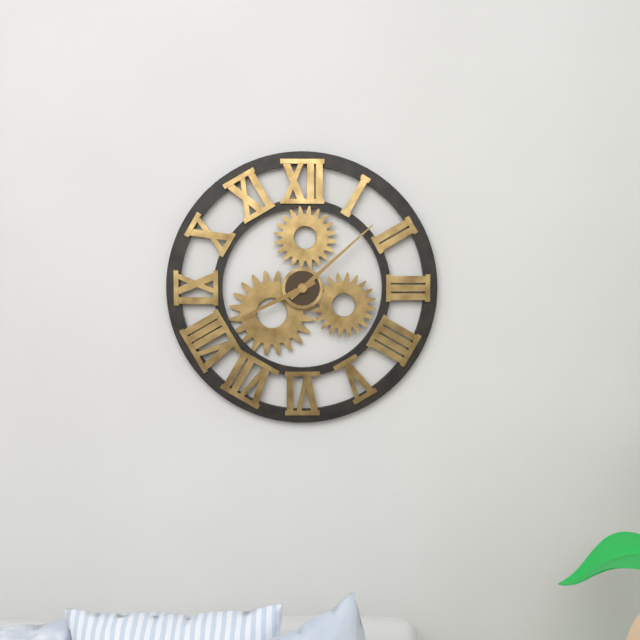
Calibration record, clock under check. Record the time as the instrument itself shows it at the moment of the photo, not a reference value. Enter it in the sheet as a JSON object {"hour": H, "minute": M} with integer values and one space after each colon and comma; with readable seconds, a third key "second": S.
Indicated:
{"hour": 8, "minute": 8}
